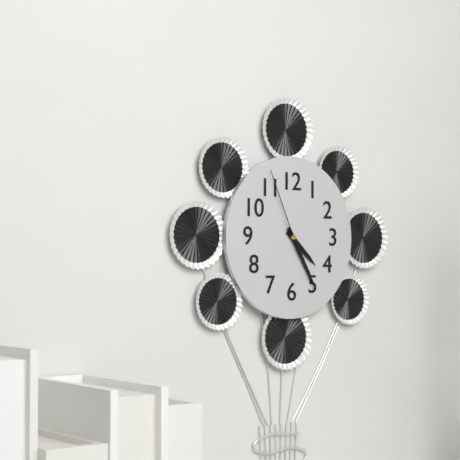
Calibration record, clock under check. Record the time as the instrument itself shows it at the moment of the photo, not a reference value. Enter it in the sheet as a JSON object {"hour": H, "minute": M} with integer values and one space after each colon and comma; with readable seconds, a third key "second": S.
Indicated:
{"hour": 4, "minute": 25, "second": 56}
